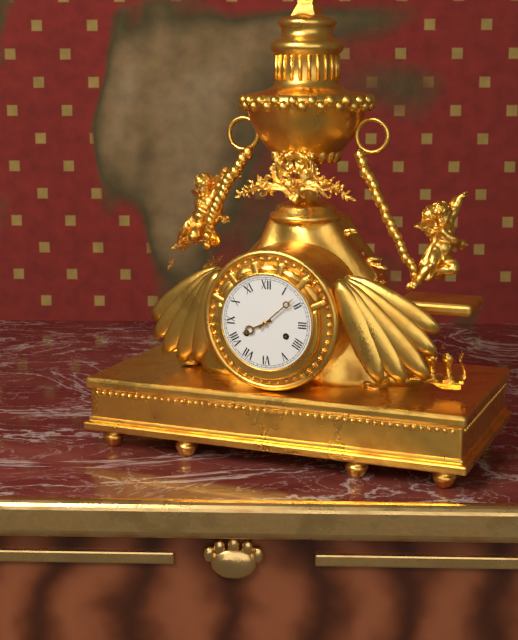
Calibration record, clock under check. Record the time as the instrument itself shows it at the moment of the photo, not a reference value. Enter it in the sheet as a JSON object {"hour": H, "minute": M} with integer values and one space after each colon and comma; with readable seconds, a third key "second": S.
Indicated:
{"hour": 8, "minute": 8}
